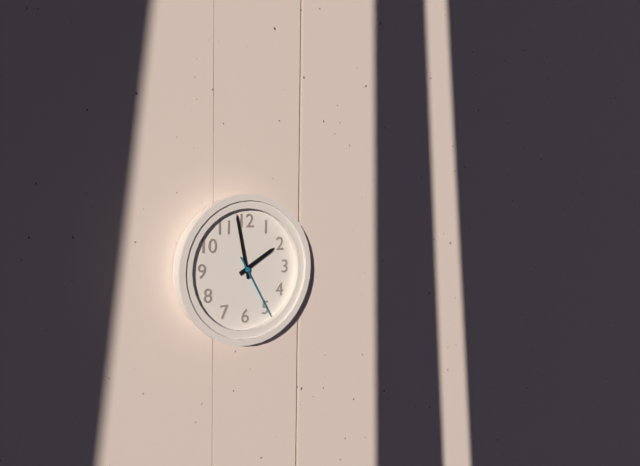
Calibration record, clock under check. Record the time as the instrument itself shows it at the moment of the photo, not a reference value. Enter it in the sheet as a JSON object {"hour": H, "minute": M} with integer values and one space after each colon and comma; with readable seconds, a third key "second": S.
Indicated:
{"hour": 1, "minute": 58, "second": 25}
